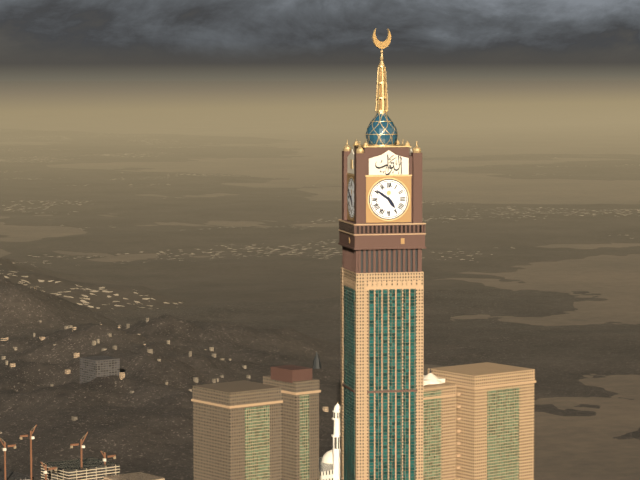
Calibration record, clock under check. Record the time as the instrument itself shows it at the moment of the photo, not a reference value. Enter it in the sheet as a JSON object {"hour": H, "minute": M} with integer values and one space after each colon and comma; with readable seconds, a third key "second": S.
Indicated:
{"hour": 4, "minute": 51}
